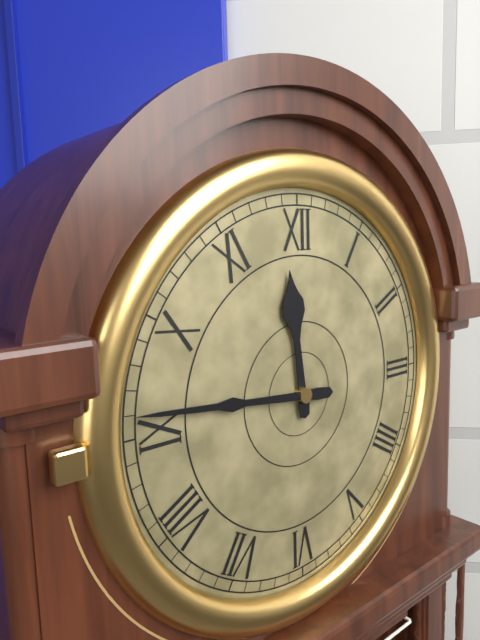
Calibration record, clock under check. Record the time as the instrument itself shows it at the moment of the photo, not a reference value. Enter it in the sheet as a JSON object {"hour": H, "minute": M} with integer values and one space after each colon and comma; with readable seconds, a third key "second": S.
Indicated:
{"hour": 11, "minute": 46}
